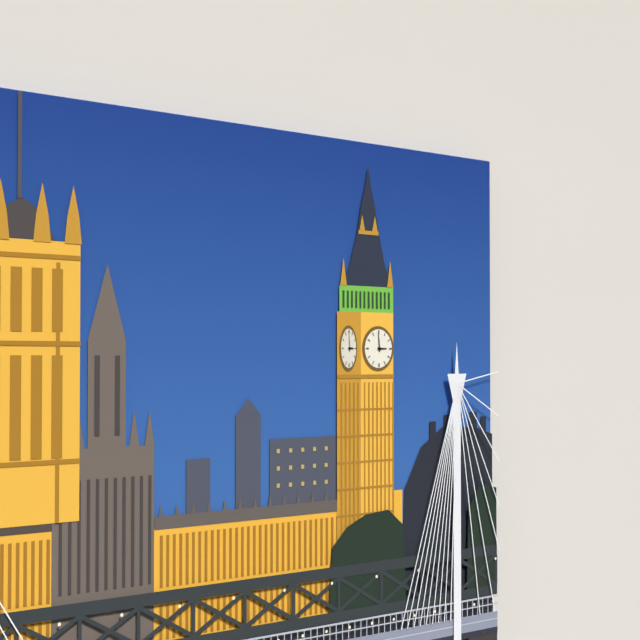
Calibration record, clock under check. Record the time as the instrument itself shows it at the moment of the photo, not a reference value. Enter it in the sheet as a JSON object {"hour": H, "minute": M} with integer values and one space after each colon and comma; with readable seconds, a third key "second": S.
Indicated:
{"hour": 2, "minute": 59}
